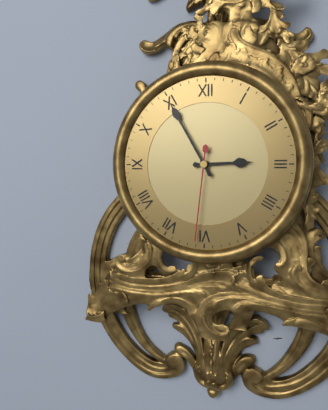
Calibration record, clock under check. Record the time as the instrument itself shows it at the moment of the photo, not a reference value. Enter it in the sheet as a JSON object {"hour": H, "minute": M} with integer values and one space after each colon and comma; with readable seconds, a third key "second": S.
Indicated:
{"hour": 2, "minute": 55, "second": 31}
